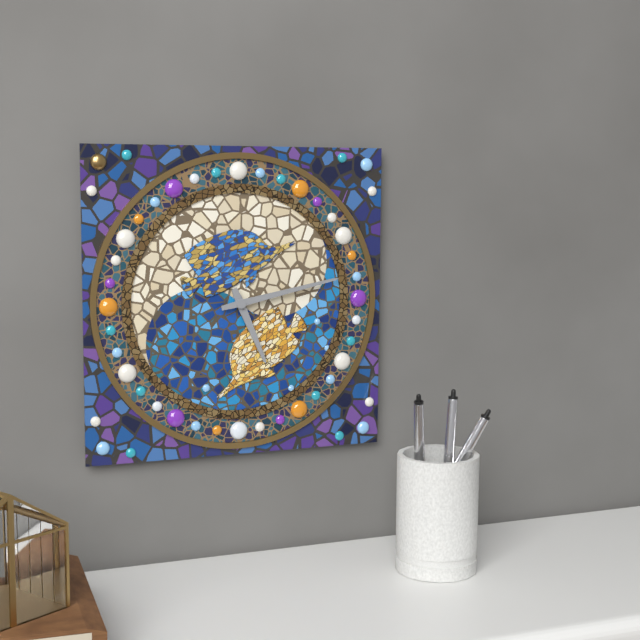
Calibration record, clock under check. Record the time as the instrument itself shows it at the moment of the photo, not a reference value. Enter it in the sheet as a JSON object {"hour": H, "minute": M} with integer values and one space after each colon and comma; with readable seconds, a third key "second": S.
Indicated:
{"hour": 5, "minute": 13}
